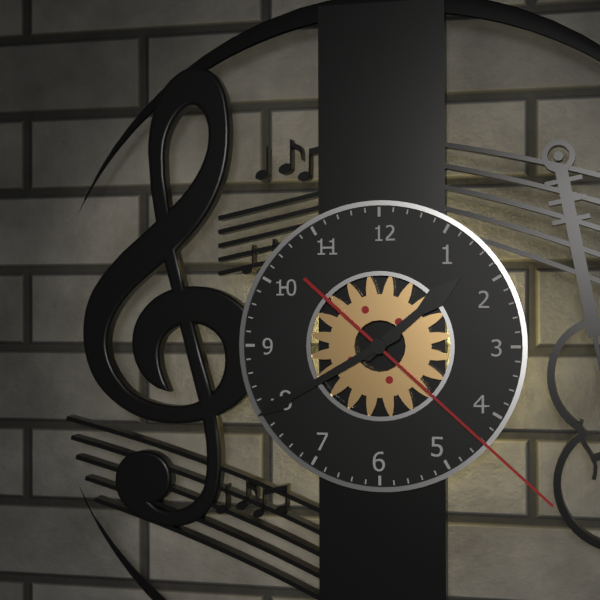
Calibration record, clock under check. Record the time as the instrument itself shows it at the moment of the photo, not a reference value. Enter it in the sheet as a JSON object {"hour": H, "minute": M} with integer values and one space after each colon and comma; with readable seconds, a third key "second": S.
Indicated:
{"hour": 1, "minute": 40, "second": 22}
